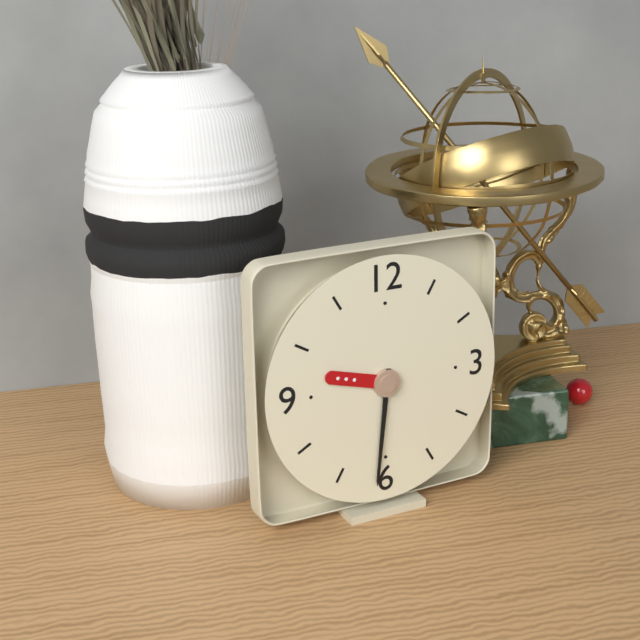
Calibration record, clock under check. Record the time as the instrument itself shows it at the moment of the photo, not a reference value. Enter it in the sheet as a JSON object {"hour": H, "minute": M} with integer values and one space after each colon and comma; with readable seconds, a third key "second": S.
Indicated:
{"hour": 9, "minute": 31}
